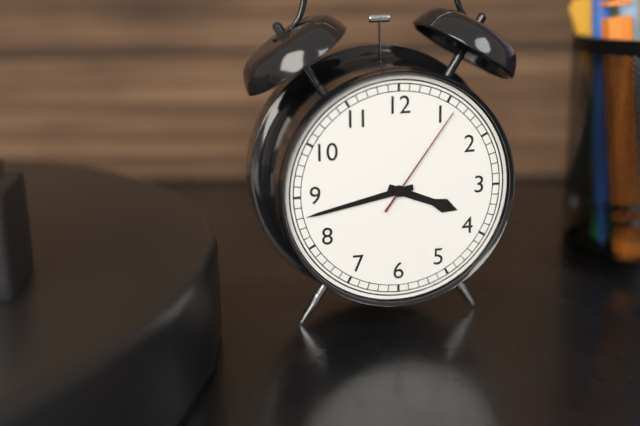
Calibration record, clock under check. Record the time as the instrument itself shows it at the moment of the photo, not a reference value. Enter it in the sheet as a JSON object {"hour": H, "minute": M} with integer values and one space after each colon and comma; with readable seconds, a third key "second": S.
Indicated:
{"hour": 3, "minute": 43, "second": 6}
